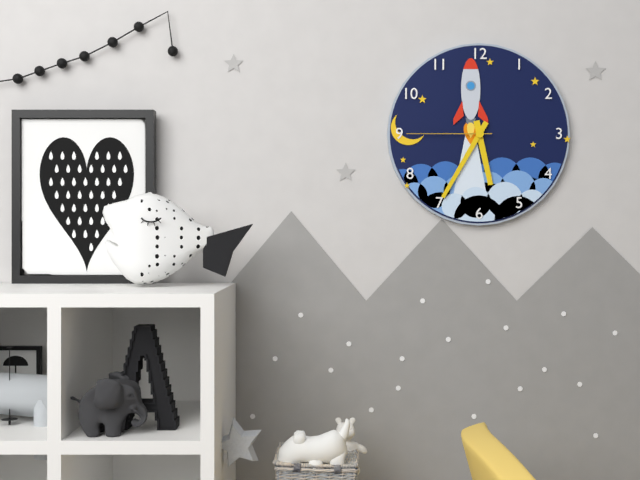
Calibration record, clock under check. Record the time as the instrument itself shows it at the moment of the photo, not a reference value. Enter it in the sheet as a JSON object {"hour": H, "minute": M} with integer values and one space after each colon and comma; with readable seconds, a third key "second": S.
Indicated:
{"hour": 5, "minute": 35, "second": 45}
